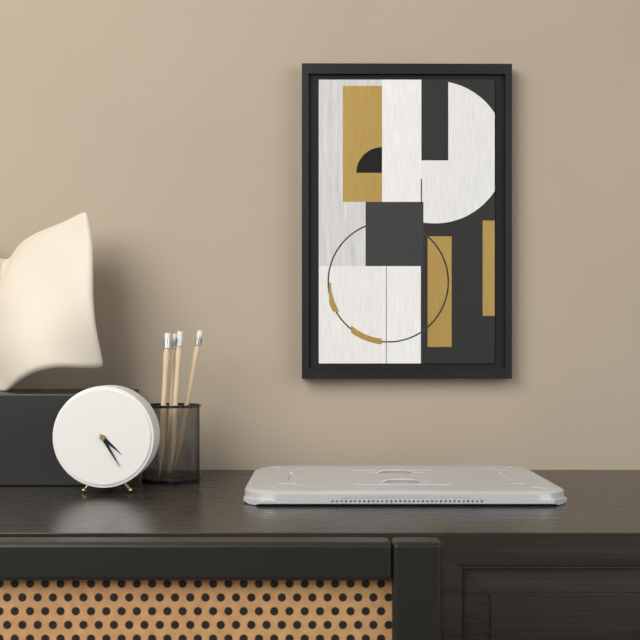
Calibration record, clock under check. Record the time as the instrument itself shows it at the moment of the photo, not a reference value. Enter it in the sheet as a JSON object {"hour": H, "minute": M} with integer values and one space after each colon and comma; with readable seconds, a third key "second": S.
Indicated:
{"hour": 4, "minute": 25}
